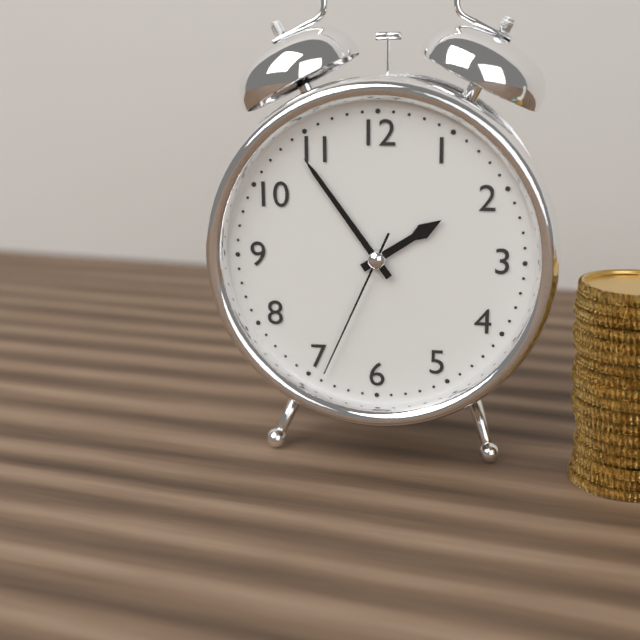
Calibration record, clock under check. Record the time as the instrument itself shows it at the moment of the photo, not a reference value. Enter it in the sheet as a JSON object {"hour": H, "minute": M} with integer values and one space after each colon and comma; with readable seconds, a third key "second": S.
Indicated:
{"hour": 1, "minute": 54, "second": 34}
